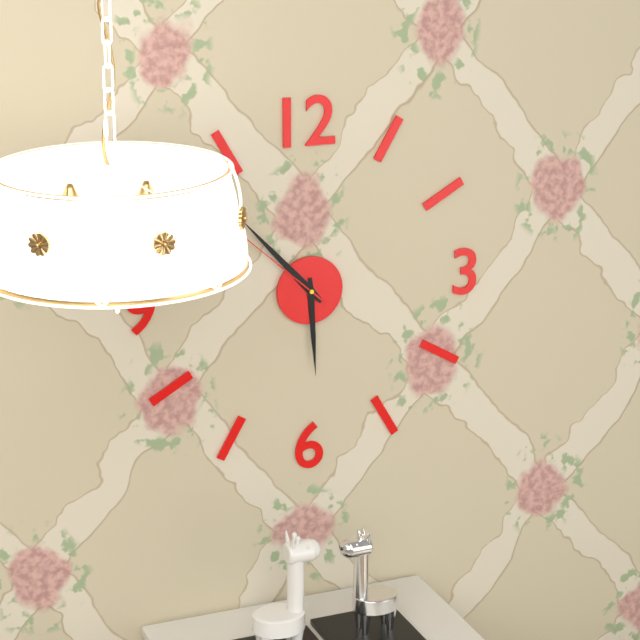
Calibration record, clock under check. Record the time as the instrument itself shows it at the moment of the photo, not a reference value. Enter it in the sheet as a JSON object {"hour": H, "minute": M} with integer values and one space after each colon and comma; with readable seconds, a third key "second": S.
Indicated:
{"hour": 5, "minute": 53, "second": 52}
